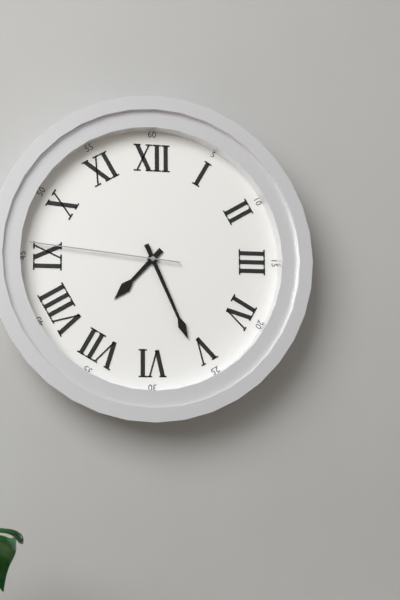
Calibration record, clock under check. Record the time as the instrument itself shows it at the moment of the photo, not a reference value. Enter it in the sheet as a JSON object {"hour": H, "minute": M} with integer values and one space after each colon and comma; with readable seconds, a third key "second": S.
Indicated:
{"hour": 7, "minute": 26, "second": 46}
